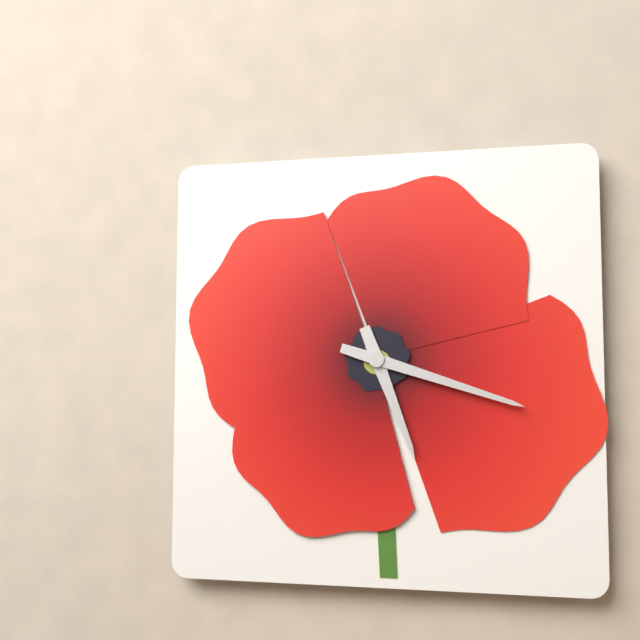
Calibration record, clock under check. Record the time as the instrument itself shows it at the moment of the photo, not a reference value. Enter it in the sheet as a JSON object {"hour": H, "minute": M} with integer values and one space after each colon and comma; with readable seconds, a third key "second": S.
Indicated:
{"hour": 5, "minute": 18}
